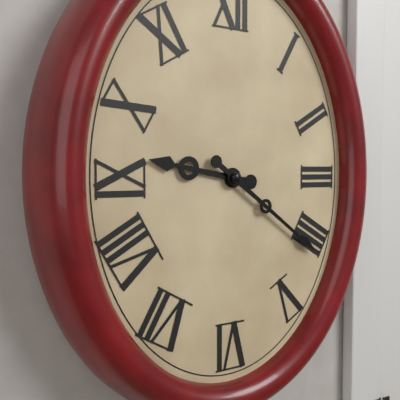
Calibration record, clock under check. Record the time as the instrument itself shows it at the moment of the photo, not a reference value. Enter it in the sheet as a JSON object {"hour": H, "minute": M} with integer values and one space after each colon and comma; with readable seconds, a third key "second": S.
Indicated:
{"hour": 9, "minute": 21}
